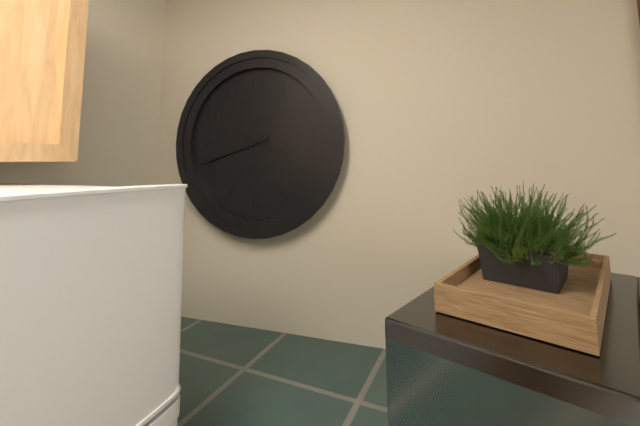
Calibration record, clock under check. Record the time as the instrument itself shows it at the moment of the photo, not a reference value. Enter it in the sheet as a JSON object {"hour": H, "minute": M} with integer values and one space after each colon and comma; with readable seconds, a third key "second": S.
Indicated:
{"hour": 3, "minute": 42}
